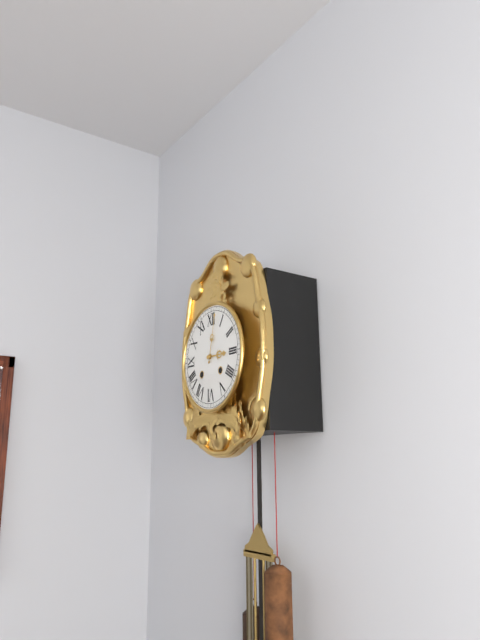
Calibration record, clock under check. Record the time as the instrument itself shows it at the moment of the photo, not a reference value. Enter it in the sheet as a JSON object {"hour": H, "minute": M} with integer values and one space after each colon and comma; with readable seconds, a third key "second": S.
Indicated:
{"hour": 3, "minute": 2}
